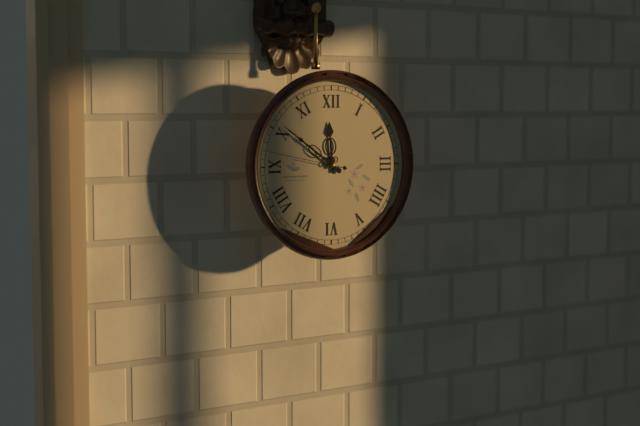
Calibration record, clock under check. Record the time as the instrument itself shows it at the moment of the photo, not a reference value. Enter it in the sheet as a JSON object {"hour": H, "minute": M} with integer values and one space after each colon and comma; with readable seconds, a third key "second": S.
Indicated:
{"hour": 11, "minute": 51, "second": 47}
